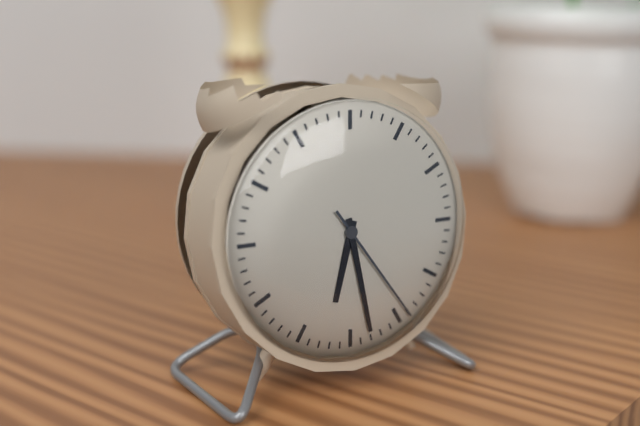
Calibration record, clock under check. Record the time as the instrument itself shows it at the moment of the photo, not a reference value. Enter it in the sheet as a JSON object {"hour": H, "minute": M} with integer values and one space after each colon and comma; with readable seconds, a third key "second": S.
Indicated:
{"hour": 6, "minute": 28, "second": 24}
